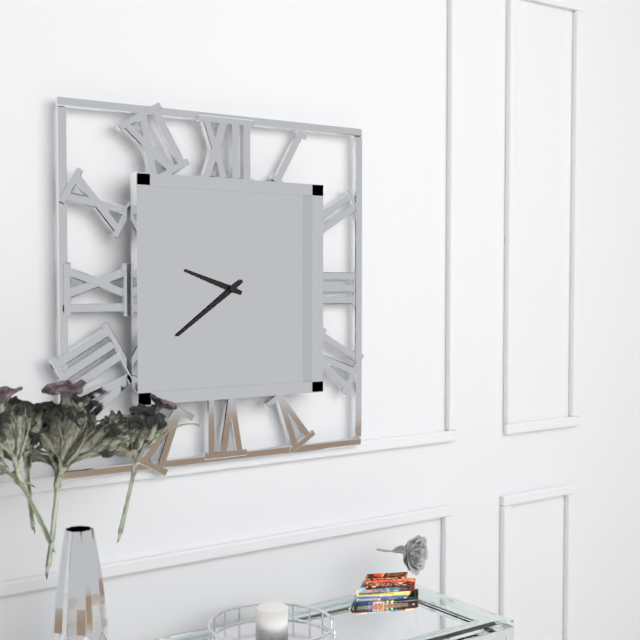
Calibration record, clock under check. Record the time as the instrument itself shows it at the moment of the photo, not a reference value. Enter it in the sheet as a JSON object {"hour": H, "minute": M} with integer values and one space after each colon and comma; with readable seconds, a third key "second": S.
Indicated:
{"hour": 9, "minute": 39}
